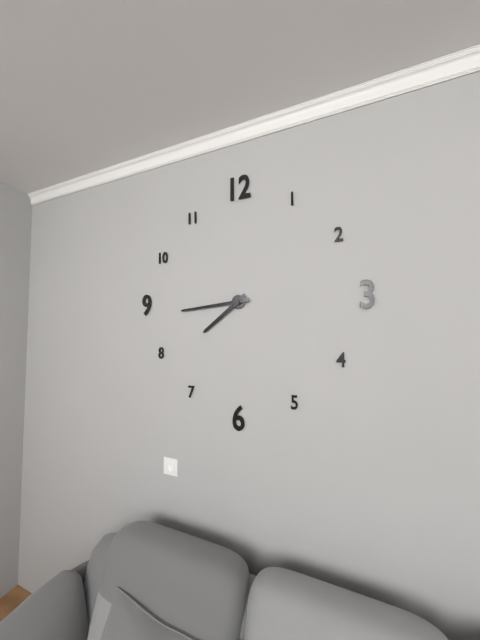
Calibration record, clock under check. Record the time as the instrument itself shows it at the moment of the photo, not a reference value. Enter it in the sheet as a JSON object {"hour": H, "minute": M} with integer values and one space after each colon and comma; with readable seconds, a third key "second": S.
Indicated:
{"hour": 7, "minute": 44}
